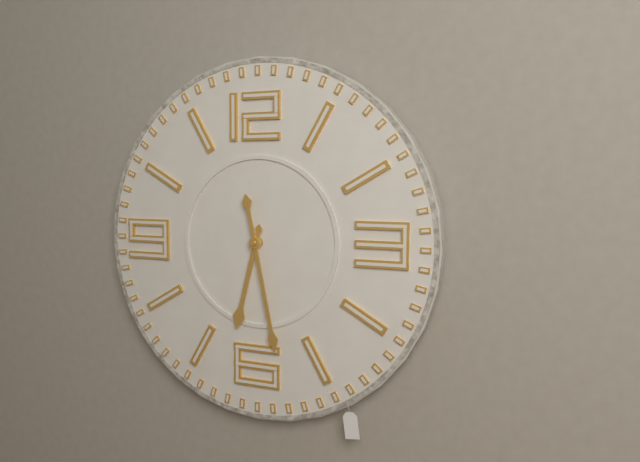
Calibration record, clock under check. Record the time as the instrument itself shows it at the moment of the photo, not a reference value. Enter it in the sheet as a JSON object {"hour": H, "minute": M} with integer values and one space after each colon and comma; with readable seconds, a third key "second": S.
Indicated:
{"hour": 6, "minute": 28}
